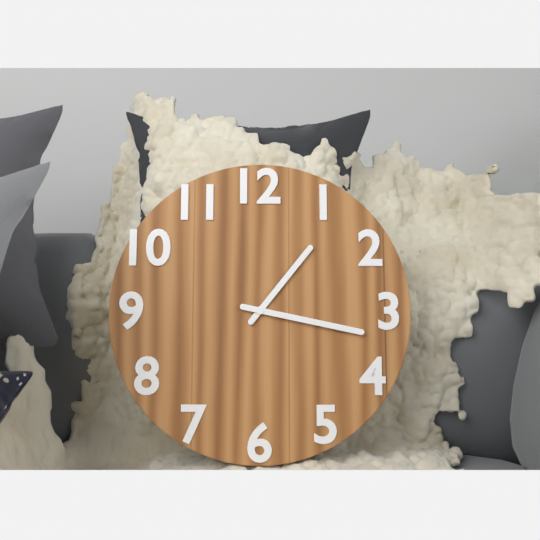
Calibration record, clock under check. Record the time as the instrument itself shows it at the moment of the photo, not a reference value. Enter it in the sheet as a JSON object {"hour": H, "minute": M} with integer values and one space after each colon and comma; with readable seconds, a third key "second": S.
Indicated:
{"hour": 1, "minute": 17}
